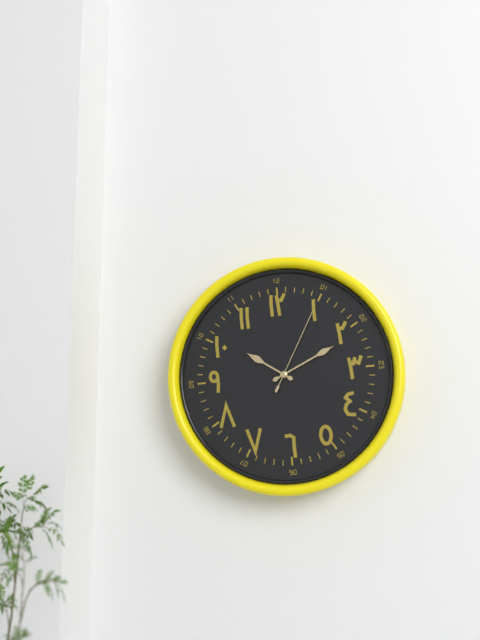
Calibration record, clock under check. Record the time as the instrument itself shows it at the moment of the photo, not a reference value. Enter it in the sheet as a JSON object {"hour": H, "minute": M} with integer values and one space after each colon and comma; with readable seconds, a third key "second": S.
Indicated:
{"hour": 10, "minute": 11, "second": 5}
